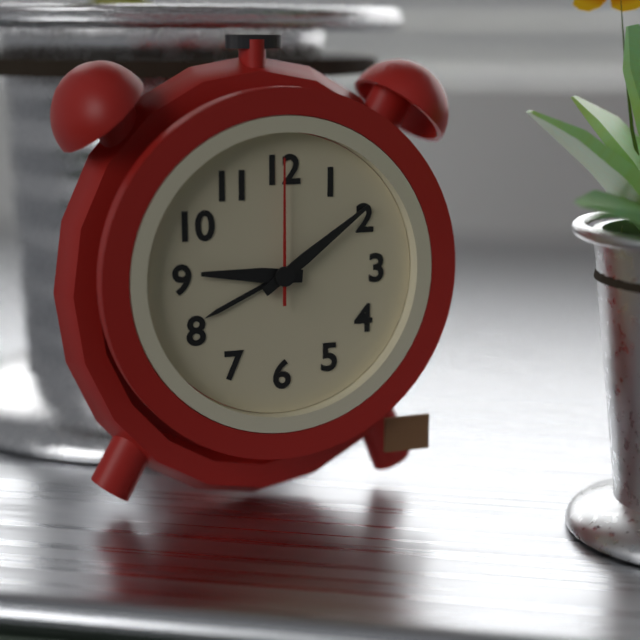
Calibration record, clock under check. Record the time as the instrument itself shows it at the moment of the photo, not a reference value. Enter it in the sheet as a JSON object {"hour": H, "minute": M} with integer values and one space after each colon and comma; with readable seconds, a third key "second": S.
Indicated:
{"hour": 9, "minute": 9, "second": 0}
